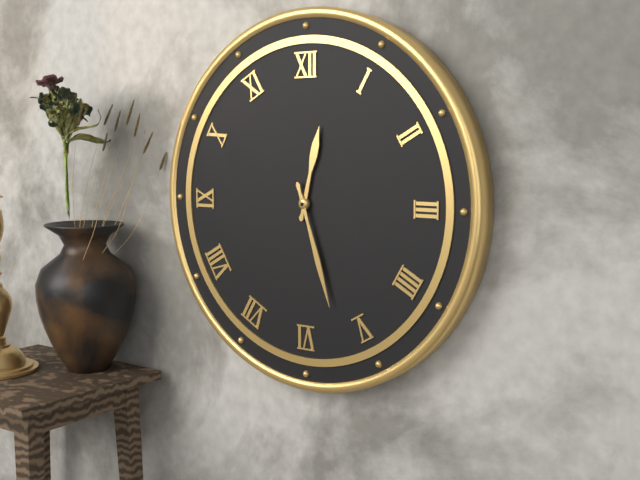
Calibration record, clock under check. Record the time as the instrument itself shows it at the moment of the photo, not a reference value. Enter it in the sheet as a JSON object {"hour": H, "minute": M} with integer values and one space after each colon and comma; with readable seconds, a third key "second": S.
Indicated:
{"hour": 12, "minute": 27}
